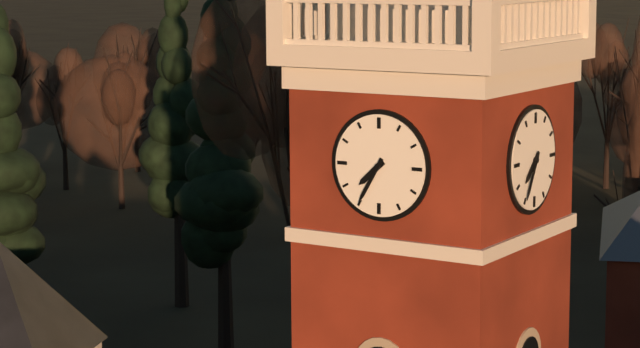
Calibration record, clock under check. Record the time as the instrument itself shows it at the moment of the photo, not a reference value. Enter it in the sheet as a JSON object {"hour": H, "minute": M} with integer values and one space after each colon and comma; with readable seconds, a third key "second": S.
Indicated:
{"hour": 7, "minute": 35}
